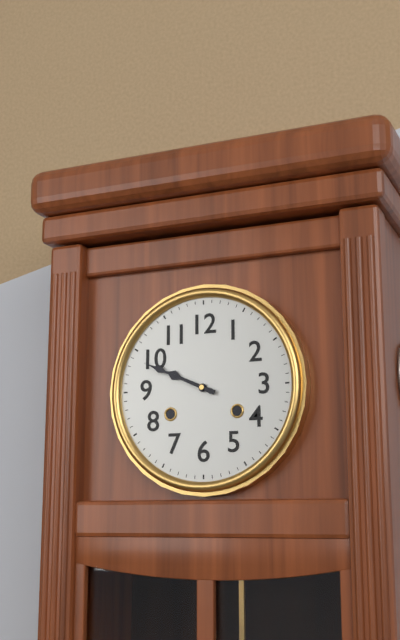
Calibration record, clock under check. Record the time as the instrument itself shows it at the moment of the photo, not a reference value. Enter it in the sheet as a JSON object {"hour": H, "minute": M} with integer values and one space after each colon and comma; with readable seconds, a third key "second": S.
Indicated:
{"hour": 9, "minute": 49}
